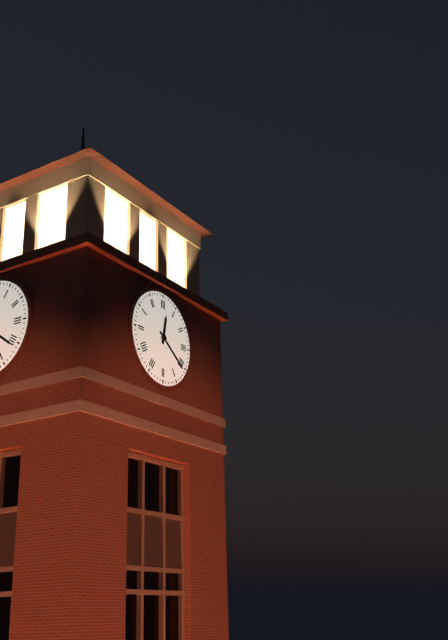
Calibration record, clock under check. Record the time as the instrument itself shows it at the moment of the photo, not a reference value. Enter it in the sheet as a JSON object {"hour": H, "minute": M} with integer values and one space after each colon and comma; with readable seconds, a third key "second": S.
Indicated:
{"hour": 12, "minute": 21}
